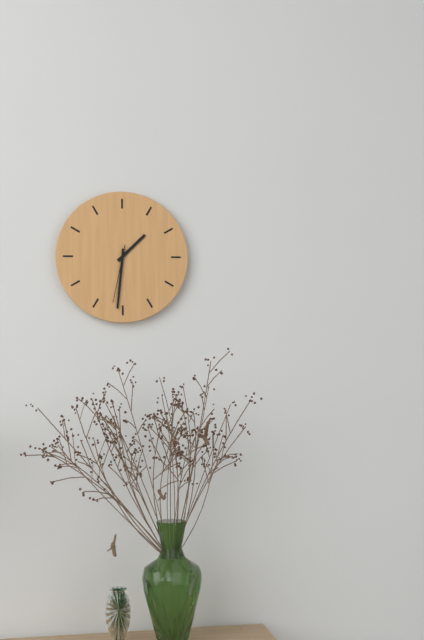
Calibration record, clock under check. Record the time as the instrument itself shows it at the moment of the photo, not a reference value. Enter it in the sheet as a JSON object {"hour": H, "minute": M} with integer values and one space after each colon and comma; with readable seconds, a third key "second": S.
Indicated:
{"hour": 1, "minute": 31, "second": 32}
